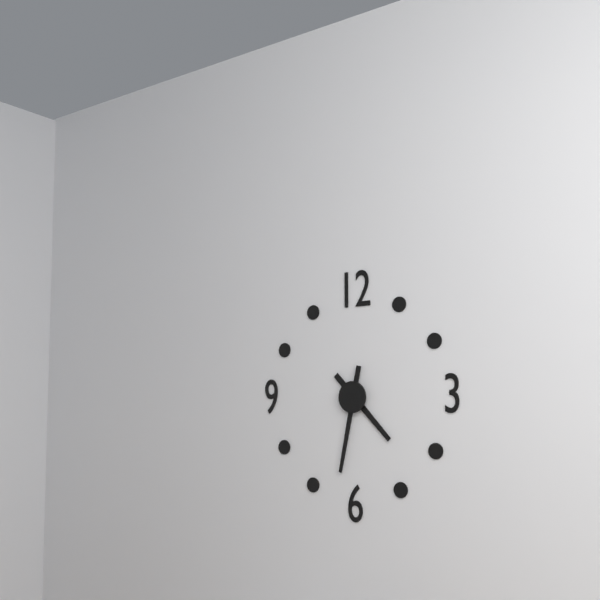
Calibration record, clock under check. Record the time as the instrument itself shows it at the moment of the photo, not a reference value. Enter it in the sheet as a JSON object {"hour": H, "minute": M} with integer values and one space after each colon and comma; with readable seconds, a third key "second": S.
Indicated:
{"hour": 4, "minute": 32}
